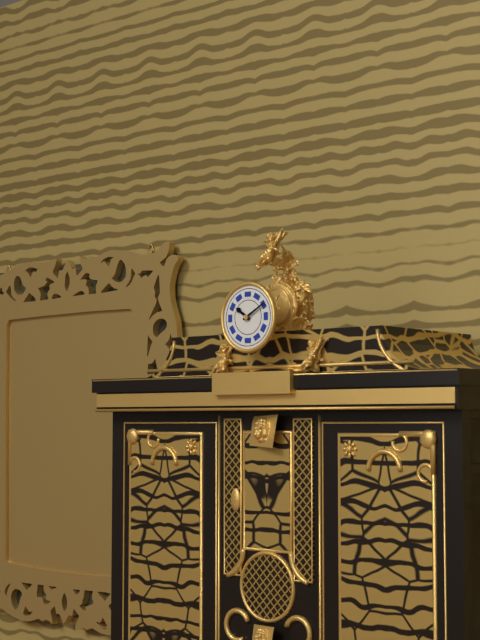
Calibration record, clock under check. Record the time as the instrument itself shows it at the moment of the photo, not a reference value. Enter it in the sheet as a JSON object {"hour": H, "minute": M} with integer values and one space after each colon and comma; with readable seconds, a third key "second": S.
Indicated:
{"hour": 10, "minute": 10}
